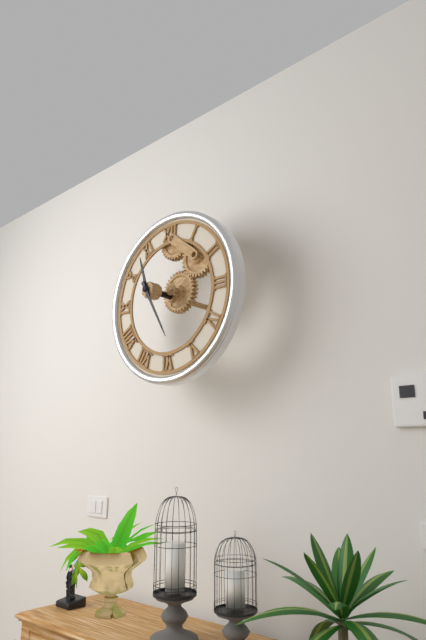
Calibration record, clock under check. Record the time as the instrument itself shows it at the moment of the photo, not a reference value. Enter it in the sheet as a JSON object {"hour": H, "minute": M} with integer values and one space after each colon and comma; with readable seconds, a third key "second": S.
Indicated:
{"hour": 11, "minute": 25}
